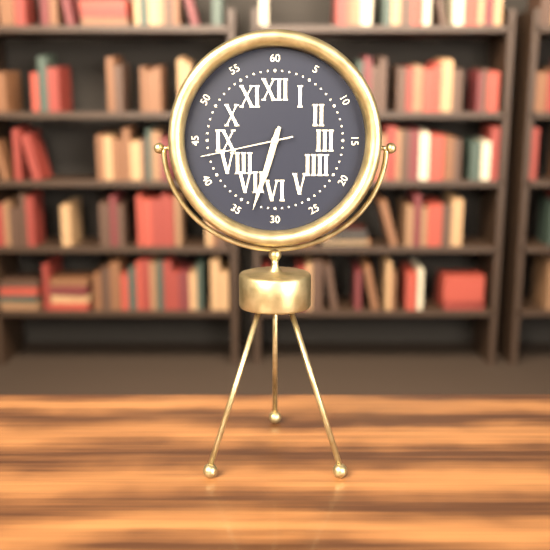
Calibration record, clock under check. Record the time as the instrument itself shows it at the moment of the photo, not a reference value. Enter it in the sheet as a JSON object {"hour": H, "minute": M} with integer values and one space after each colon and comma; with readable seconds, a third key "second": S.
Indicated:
{"hour": 6, "minute": 33, "second": 43}
